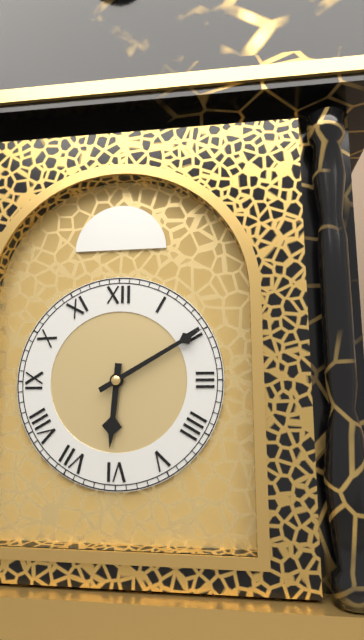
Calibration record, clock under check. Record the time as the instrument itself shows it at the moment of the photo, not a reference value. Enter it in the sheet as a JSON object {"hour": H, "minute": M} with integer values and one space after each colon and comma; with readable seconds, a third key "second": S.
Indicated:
{"hour": 6, "minute": 10}
